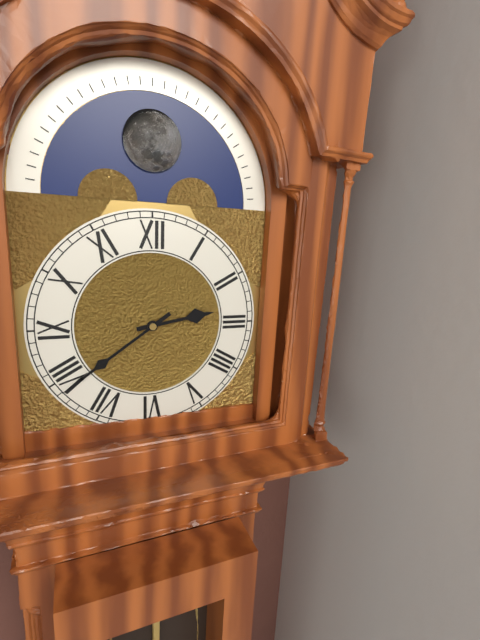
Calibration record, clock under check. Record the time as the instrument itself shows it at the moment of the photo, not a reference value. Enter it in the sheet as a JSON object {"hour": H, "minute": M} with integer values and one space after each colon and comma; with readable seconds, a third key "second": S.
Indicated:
{"hour": 2, "minute": 39}
